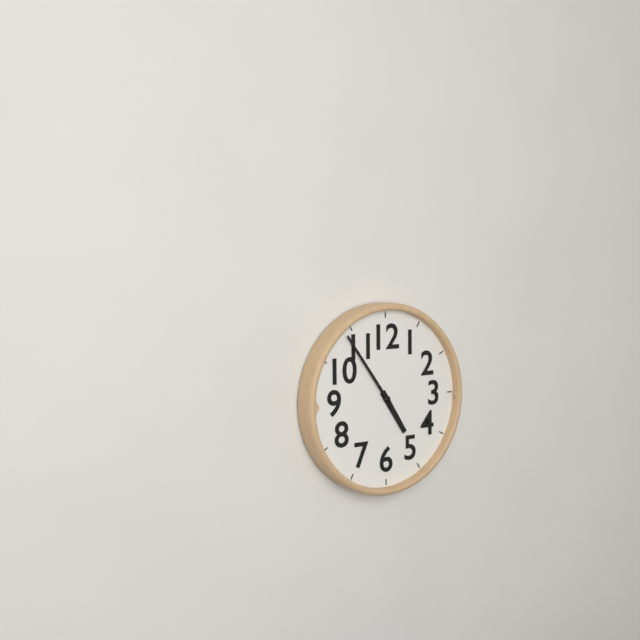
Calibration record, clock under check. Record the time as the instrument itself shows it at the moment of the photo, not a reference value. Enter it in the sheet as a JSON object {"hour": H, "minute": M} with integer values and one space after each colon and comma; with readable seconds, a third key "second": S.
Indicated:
{"hour": 4, "minute": 54}
